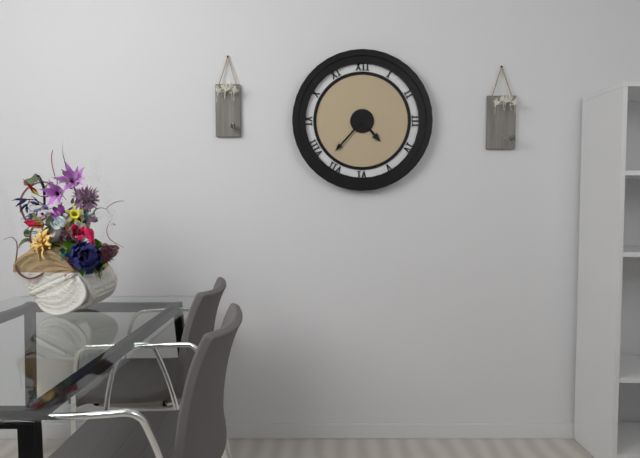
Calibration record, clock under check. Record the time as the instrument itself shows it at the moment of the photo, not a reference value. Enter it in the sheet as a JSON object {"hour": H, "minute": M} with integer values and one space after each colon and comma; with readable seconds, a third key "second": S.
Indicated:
{"hour": 4, "minute": 37}
